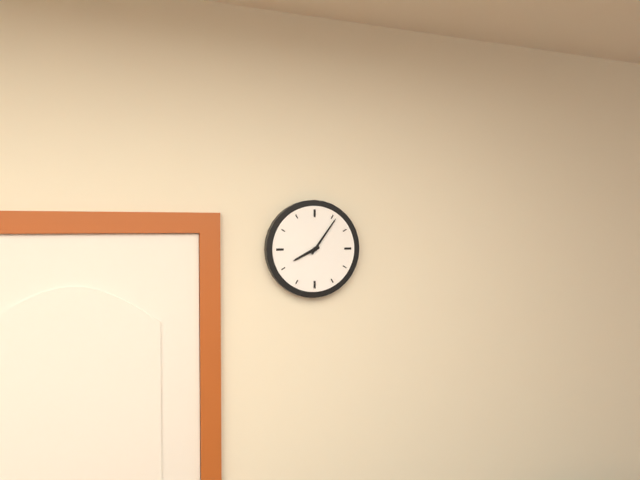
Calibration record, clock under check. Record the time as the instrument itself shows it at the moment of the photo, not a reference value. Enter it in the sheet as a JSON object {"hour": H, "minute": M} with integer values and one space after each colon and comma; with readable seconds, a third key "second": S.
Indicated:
{"hour": 8, "minute": 6}
